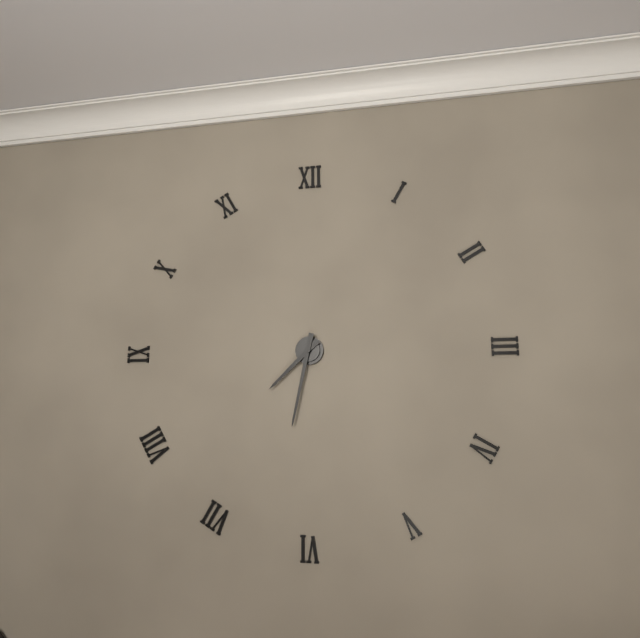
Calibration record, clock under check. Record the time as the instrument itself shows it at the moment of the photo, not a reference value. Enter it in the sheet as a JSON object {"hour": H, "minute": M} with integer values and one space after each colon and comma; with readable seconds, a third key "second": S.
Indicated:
{"hour": 7, "minute": 32}
